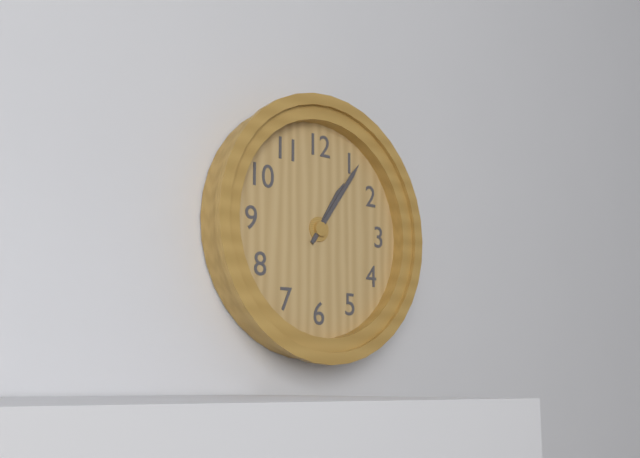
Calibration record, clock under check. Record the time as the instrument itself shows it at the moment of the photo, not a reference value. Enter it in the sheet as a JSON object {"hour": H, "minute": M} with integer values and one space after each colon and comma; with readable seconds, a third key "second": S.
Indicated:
{"hour": 1, "minute": 6}
